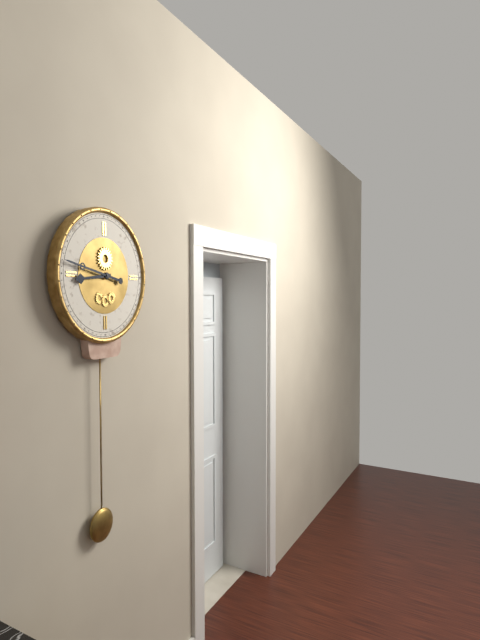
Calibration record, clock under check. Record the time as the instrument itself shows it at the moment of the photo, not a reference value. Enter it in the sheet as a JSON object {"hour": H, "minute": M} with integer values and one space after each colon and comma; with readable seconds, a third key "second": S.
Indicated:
{"hour": 8, "minute": 47}
